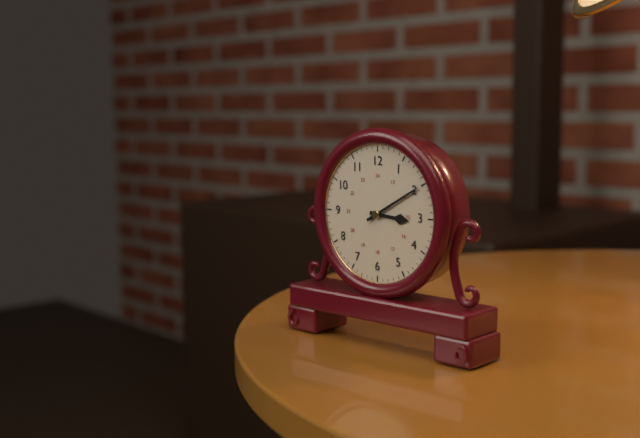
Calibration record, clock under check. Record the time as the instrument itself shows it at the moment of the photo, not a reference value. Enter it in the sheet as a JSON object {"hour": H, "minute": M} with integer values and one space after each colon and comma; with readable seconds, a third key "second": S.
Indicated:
{"hour": 3, "minute": 10}
